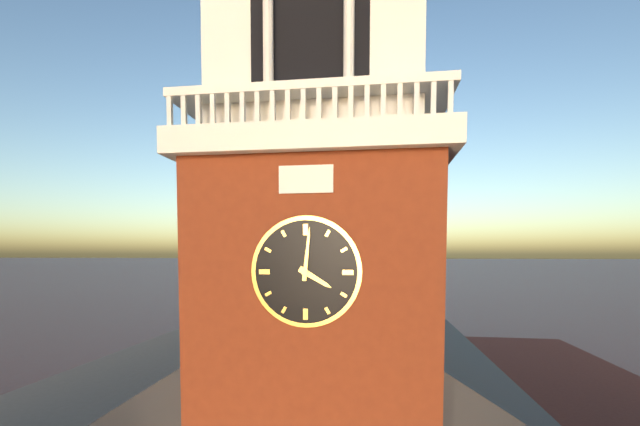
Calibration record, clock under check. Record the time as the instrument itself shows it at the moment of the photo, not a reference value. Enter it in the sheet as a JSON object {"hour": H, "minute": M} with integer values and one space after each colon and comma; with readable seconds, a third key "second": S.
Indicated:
{"hour": 4, "minute": 1}
